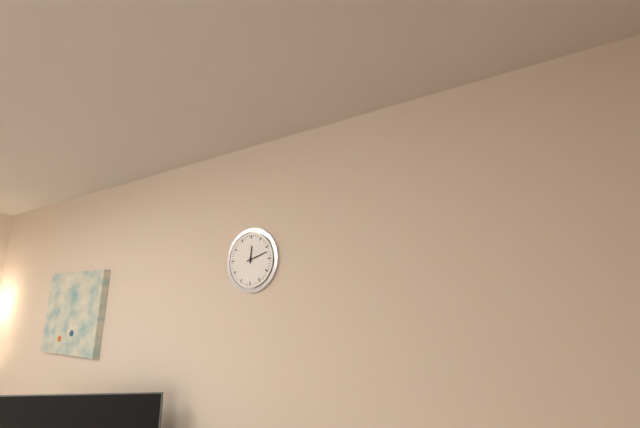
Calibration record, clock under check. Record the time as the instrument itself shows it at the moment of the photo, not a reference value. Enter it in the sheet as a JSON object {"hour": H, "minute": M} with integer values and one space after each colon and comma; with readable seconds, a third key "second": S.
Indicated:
{"hour": 12, "minute": 12}
